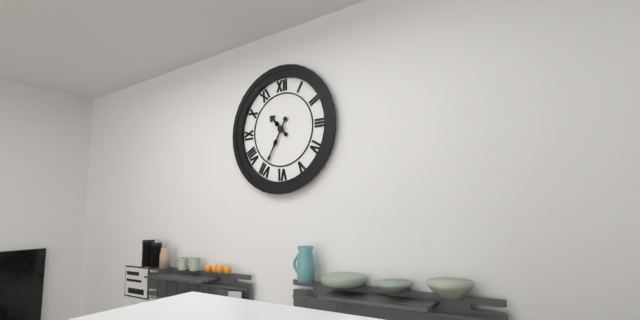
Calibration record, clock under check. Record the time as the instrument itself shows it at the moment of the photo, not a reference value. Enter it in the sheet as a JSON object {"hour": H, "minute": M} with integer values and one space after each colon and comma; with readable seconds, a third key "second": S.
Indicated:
{"hour": 10, "minute": 35}
